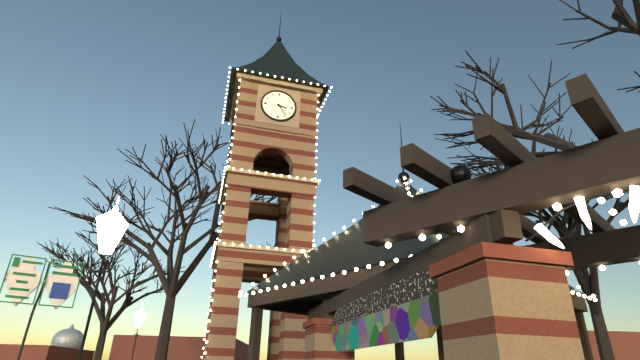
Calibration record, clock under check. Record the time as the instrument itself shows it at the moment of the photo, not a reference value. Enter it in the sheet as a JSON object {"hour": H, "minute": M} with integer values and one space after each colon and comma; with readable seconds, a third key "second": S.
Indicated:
{"hour": 3, "minute": 24}
